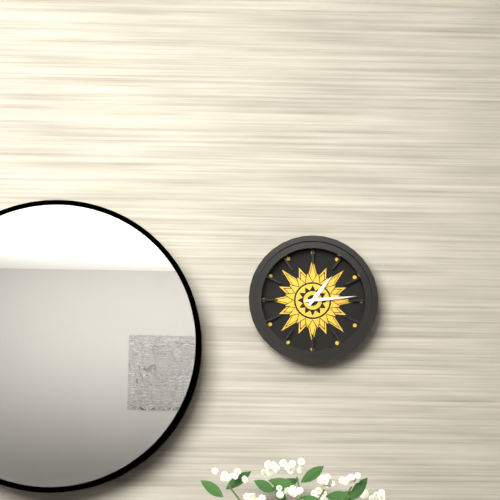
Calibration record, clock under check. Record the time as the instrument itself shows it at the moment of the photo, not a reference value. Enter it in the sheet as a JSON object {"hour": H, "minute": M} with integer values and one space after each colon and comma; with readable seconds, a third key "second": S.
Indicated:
{"hour": 1, "minute": 14}
